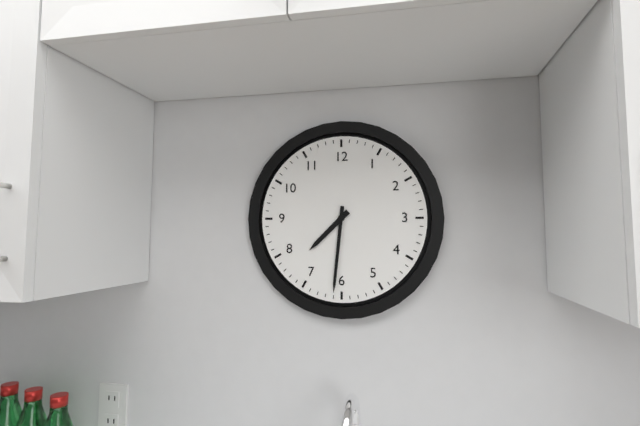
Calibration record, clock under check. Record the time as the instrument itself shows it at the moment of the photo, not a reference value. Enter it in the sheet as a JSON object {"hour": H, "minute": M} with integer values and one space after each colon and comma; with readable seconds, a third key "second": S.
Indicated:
{"hour": 7, "minute": 31}
